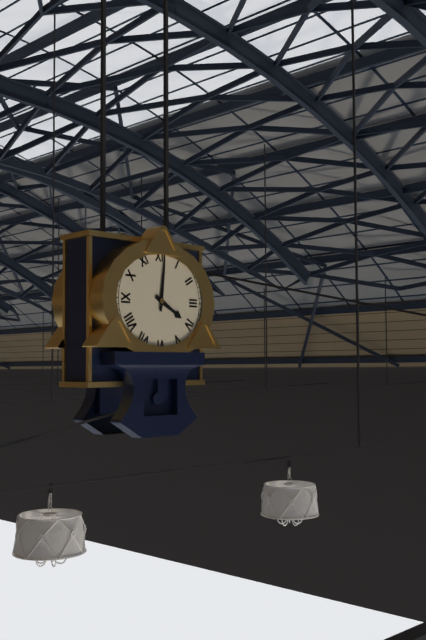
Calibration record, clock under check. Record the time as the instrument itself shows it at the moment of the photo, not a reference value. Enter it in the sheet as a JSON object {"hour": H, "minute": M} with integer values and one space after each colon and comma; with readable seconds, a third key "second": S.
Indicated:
{"hour": 4, "minute": 1}
